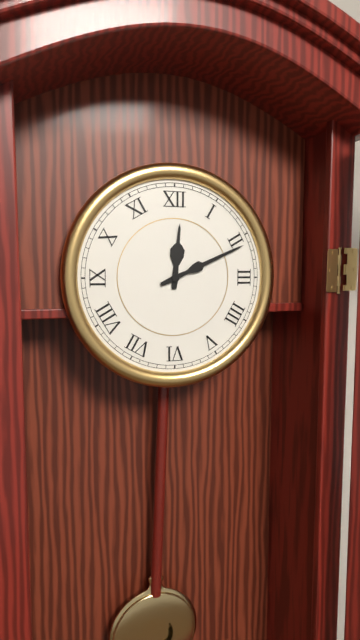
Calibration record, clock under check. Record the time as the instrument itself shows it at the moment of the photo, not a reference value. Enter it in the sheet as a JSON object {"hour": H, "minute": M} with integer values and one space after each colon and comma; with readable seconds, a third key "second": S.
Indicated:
{"hour": 12, "minute": 11}
